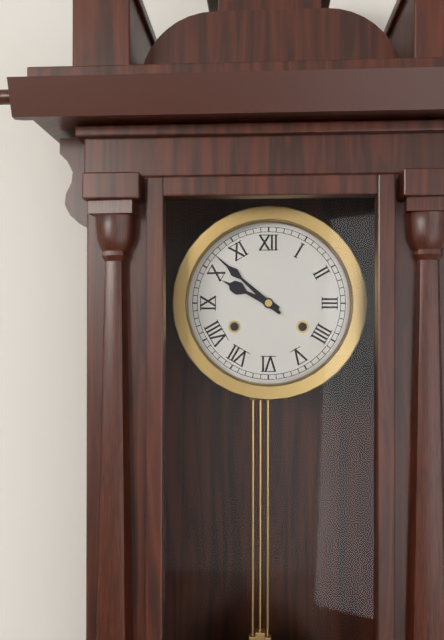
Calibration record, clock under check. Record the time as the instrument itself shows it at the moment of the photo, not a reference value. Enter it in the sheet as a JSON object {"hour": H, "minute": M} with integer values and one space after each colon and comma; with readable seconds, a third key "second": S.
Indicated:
{"hour": 9, "minute": 52}
